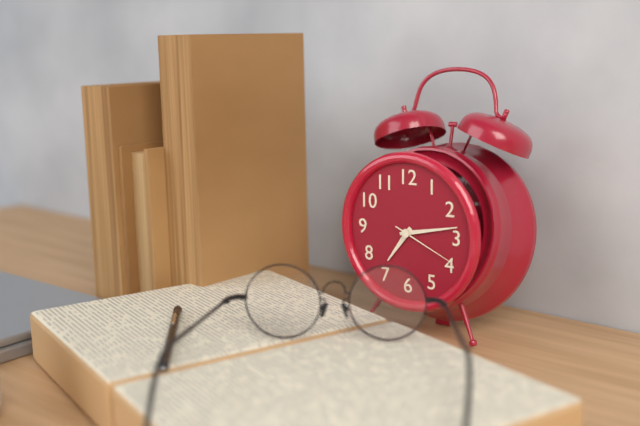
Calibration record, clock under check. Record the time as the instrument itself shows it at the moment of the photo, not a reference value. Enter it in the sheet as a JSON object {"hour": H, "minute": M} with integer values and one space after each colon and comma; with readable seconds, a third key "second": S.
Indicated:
{"hour": 7, "minute": 13, "second": 19}
